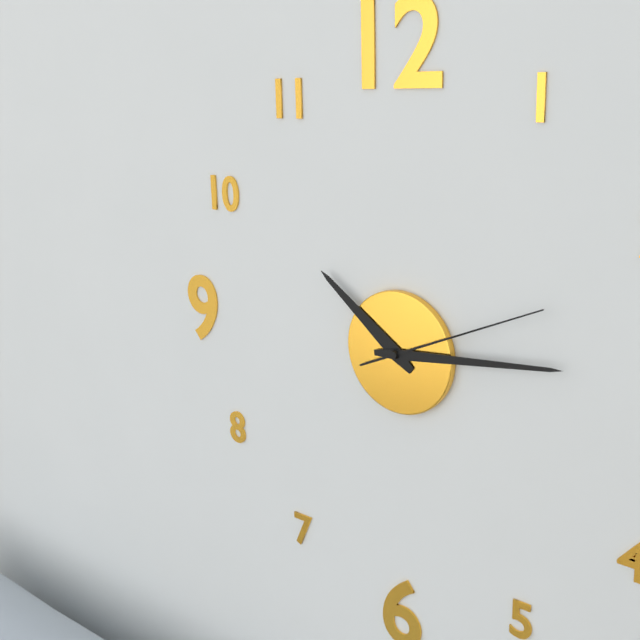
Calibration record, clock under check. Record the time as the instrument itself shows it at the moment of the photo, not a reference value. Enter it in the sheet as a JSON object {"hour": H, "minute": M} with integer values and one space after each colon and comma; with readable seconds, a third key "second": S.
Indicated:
{"hour": 10, "minute": 14, "second": 11}
